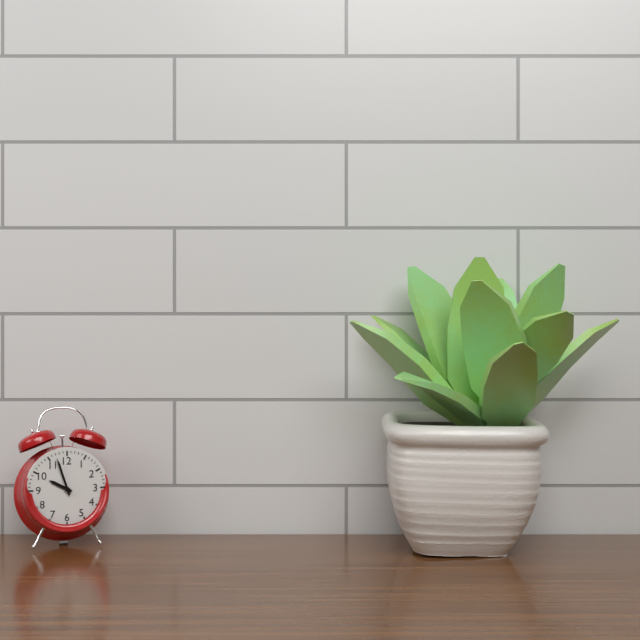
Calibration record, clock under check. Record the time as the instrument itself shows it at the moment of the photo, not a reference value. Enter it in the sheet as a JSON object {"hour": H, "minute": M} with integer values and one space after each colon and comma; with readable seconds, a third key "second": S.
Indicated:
{"hour": 9, "minute": 57}
